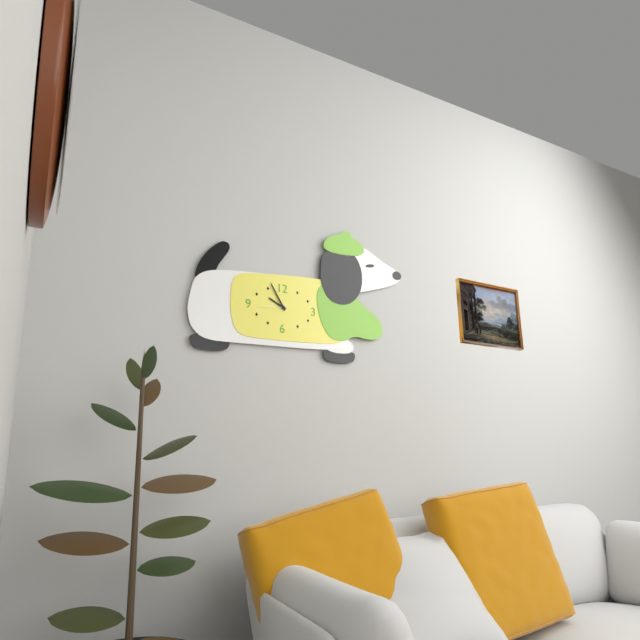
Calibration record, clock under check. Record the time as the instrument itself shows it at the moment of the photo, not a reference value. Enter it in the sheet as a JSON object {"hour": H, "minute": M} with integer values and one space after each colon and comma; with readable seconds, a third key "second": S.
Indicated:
{"hour": 9, "minute": 55}
